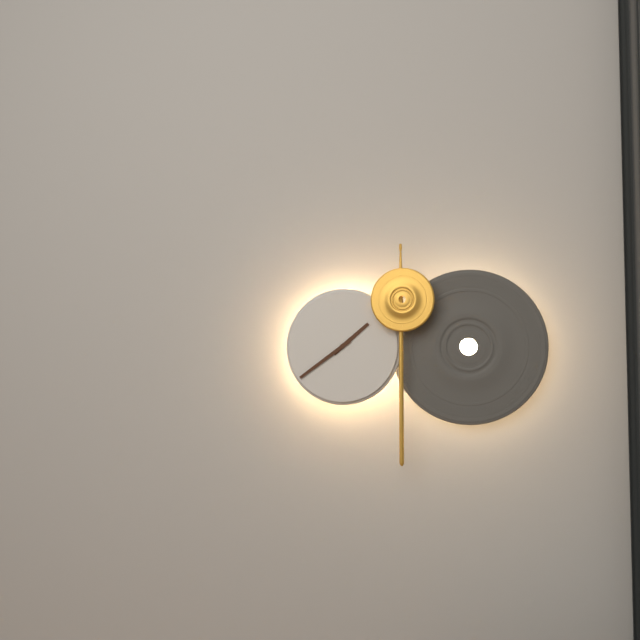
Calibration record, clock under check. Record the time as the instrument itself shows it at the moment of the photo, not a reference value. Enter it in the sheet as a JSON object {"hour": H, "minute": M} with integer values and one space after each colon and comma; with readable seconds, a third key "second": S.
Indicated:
{"hour": 1, "minute": 39}
